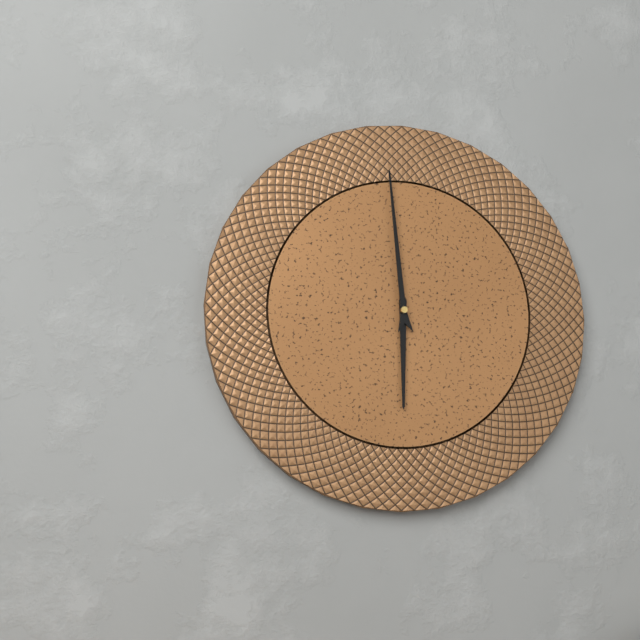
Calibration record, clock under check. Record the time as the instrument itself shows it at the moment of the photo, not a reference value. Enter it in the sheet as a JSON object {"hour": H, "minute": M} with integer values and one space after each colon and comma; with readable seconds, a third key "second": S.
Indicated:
{"hour": 5, "minute": 59}
